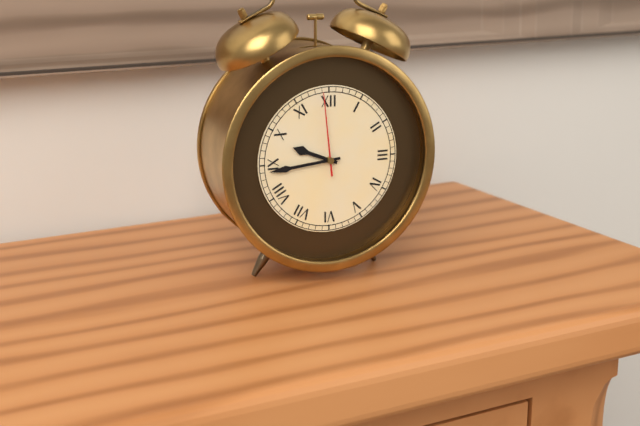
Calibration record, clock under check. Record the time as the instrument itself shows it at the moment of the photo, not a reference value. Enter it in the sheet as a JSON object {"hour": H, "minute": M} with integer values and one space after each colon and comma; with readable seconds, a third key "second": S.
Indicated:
{"hour": 9, "minute": 44, "second": 59}
